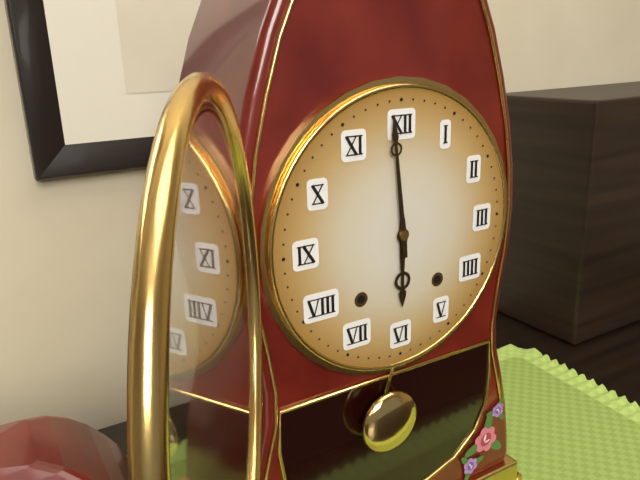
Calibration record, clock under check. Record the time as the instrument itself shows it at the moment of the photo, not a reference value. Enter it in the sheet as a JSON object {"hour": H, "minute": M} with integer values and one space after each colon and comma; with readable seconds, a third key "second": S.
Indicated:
{"hour": 5, "minute": 59}
